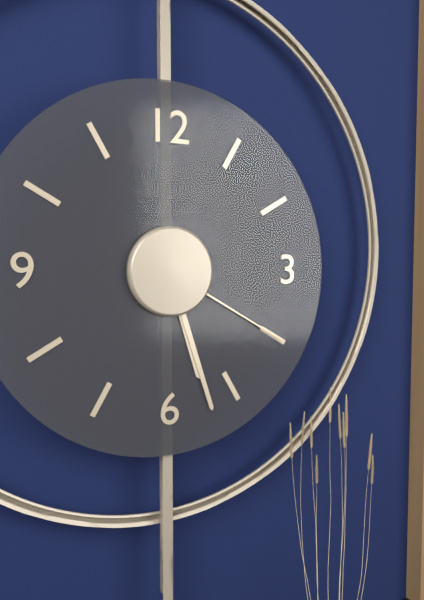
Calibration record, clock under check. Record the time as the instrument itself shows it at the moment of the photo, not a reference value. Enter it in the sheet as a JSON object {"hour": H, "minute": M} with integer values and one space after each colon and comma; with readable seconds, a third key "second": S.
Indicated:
{"hour": 5, "minute": 27, "second": 20}
